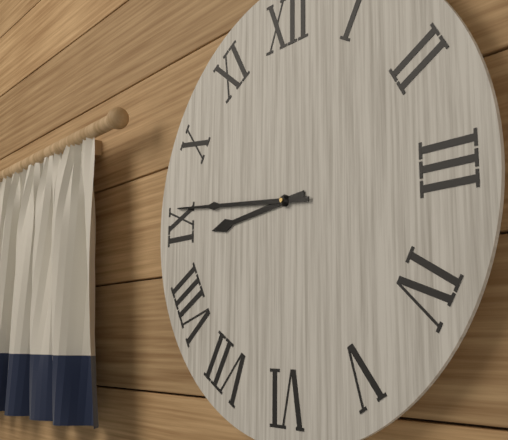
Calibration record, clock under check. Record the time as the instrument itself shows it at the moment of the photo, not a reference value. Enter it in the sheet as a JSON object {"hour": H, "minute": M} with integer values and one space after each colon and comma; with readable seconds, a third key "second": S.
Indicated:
{"hour": 8, "minute": 46}
